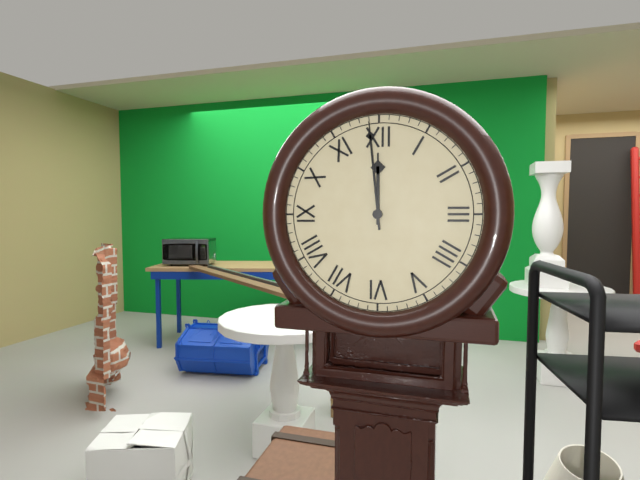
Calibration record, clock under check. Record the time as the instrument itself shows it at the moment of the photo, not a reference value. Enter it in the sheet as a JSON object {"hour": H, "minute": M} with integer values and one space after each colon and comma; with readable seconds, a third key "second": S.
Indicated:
{"hour": 11, "minute": 59}
